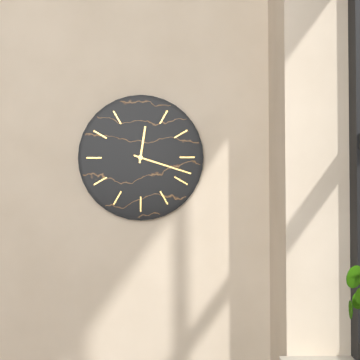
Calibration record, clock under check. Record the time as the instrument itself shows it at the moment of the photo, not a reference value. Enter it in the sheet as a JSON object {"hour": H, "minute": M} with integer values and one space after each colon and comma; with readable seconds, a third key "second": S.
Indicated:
{"hour": 12, "minute": 18}
